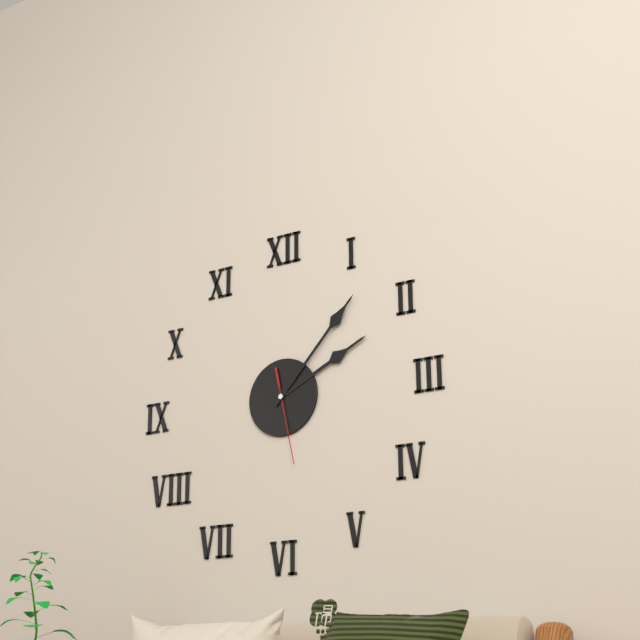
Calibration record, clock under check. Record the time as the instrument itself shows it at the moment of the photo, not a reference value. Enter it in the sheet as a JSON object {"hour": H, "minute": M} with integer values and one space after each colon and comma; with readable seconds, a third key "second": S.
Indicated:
{"hour": 2, "minute": 7, "second": 28}
